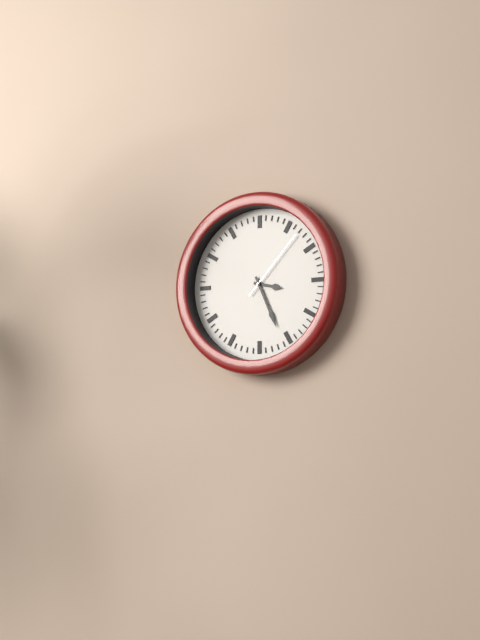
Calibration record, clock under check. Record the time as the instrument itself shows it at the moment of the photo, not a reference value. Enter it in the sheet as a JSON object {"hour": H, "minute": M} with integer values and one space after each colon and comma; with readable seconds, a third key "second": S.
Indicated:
{"hour": 3, "minute": 26, "second": 7}
